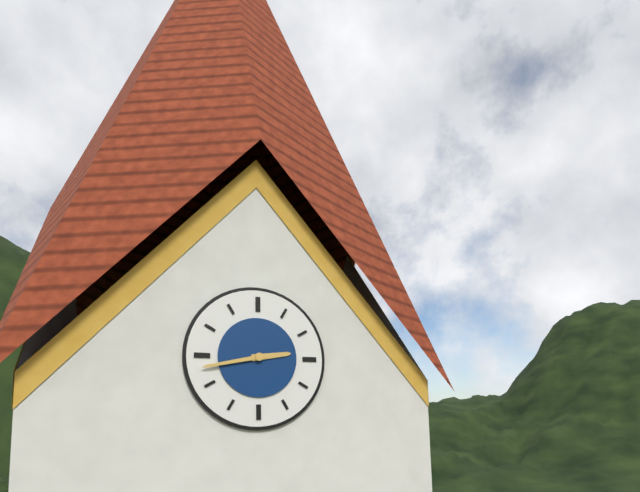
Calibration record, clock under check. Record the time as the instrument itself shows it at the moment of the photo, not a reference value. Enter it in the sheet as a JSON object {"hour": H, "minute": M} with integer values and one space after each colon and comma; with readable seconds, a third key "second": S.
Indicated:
{"hour": 2, "minute": 43}
